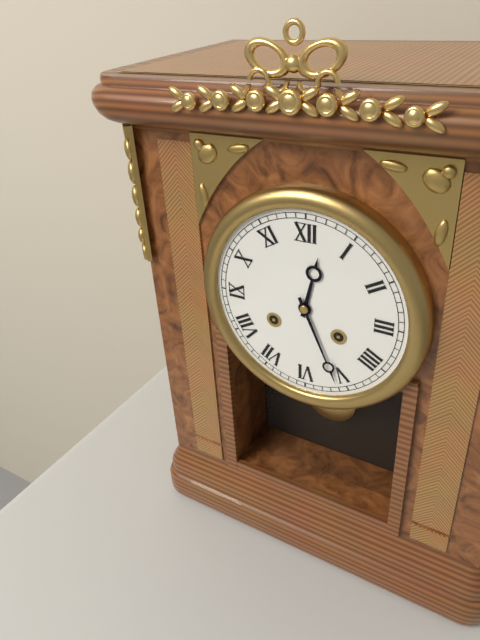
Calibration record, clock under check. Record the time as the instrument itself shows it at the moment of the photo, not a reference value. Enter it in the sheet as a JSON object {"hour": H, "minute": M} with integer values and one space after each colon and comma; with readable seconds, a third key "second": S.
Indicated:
{"hour": 12, "minute": 26}
